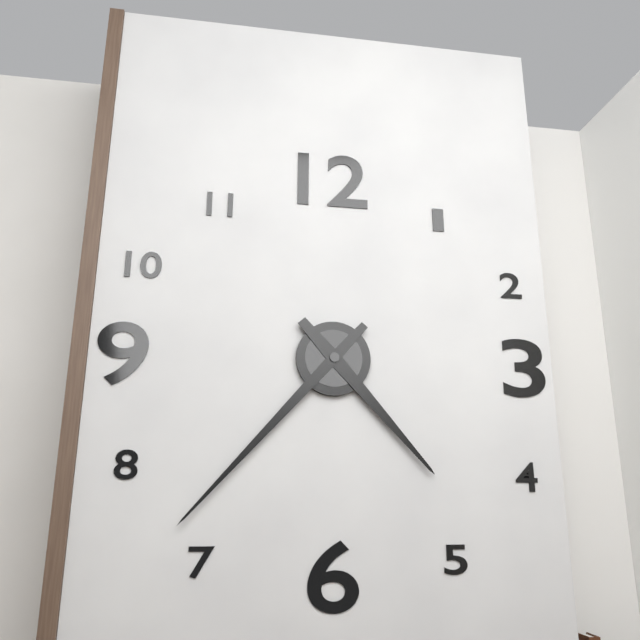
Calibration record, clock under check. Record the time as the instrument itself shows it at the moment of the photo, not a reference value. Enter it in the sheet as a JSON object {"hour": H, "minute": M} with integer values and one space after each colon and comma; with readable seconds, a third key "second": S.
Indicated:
{"hour": 4, "minute": 37}
